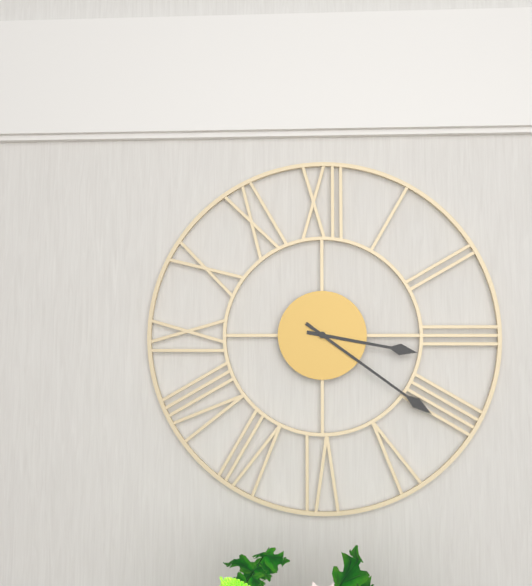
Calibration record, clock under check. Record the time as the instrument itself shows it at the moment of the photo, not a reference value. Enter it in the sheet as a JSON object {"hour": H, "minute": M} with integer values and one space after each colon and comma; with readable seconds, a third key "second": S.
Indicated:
{"hour": 3, "minute": 21}
